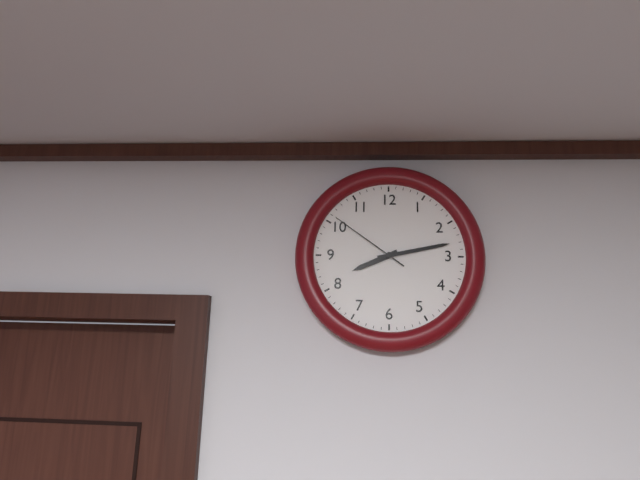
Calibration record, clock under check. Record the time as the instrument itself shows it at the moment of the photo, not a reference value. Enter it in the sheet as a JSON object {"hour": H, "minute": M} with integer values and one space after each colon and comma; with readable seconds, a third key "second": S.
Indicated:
{"hour": 8, "minute": 13, "second": 51}
